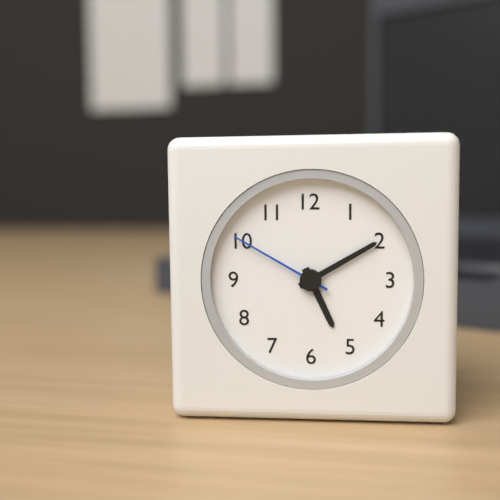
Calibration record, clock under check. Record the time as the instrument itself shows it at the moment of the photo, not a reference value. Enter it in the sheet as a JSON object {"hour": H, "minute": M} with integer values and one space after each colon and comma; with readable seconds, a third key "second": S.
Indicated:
{"hour": 5, "minute": 10, "second": 50}
